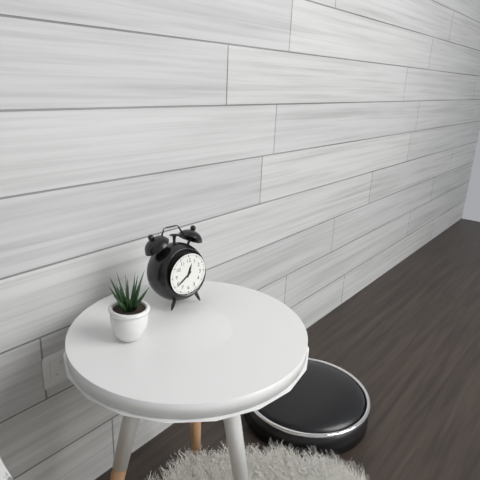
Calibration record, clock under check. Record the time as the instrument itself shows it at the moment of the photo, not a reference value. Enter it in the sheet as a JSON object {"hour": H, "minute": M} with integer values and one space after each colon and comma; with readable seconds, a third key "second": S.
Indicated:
{"hour": 12, "minute": 39}
